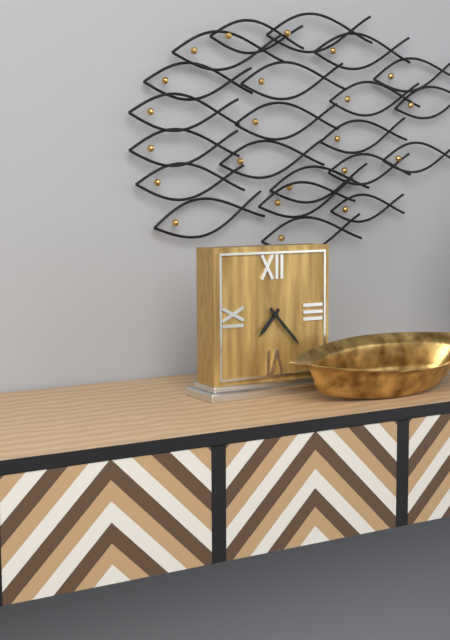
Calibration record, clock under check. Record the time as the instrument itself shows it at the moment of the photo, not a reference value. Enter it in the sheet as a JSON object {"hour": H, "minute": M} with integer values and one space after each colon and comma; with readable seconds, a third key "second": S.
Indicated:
{"hour": 7, "minute": 23}
